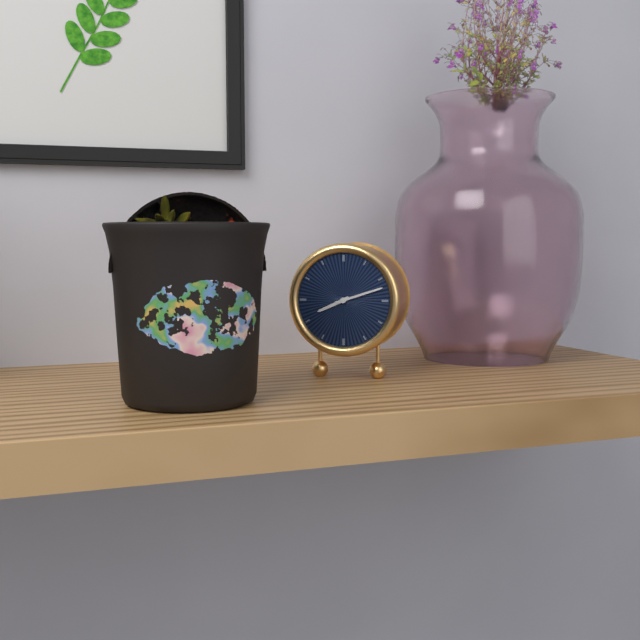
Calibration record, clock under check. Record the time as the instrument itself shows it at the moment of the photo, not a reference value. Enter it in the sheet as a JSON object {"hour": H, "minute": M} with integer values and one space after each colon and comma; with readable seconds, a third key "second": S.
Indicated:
{"hour": 8, "minute": 12}
